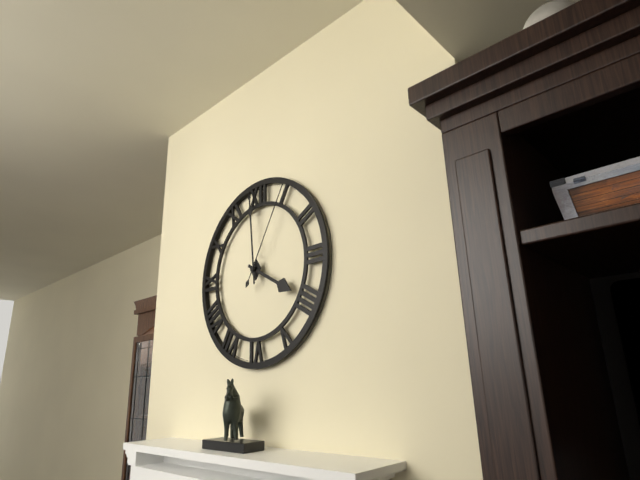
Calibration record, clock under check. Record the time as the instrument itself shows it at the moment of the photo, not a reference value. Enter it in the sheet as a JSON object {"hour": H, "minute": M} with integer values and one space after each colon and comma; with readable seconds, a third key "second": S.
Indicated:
{"hour": 3, "minute": 59, "second": 5}
